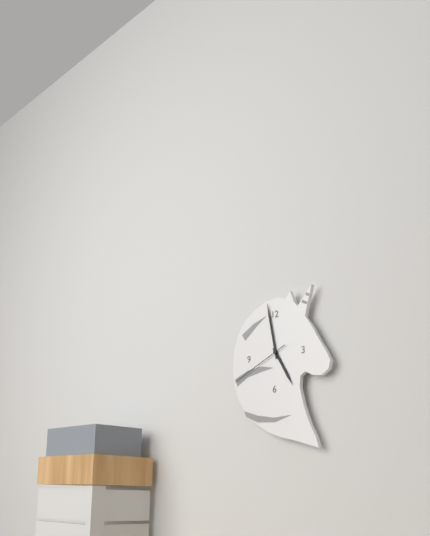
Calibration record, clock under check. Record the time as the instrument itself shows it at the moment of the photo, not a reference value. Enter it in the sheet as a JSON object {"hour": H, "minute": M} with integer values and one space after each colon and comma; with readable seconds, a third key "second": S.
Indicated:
{"hour": 4, "minute": 58, "second": 41}
